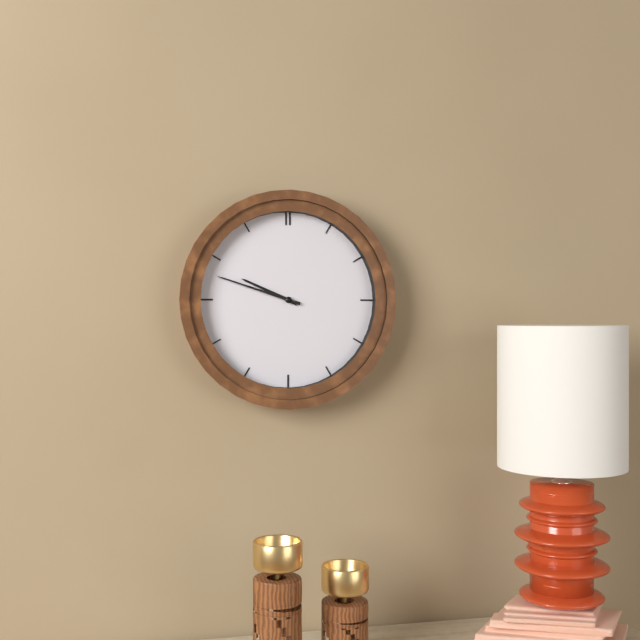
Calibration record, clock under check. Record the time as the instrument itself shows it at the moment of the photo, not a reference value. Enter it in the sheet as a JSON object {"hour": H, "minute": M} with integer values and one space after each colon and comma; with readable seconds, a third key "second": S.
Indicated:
{"hour": 9, "minute": 48}
